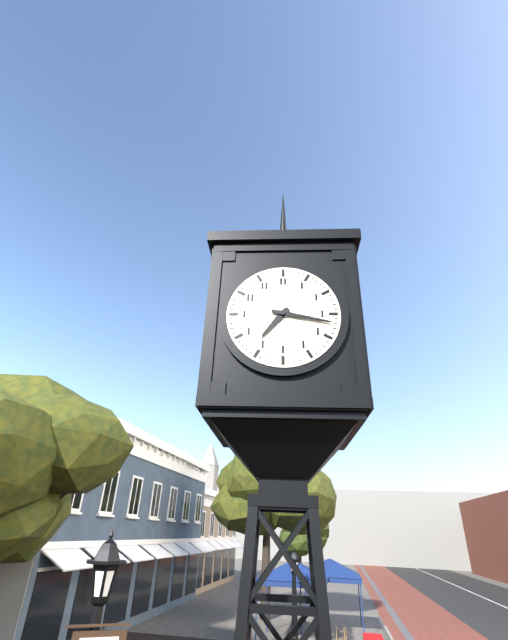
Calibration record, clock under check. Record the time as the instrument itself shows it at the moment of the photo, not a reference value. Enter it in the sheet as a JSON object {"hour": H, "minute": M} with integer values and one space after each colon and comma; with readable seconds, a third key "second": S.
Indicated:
{"hour": 7, "minute": 17}
